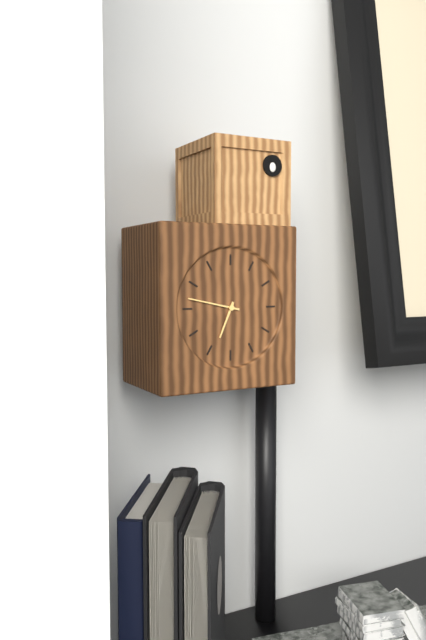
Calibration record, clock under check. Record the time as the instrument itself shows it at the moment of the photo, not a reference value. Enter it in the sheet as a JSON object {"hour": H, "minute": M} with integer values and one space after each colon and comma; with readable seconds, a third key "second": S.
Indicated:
{"hour": 6, "minute": 47}
